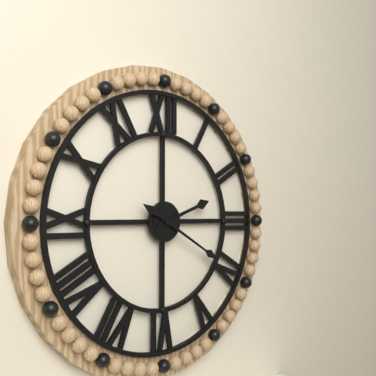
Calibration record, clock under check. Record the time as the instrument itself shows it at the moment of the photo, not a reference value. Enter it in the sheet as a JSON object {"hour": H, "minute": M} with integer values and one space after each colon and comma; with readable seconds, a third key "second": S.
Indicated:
{"hour": 2, "minute": 20}
